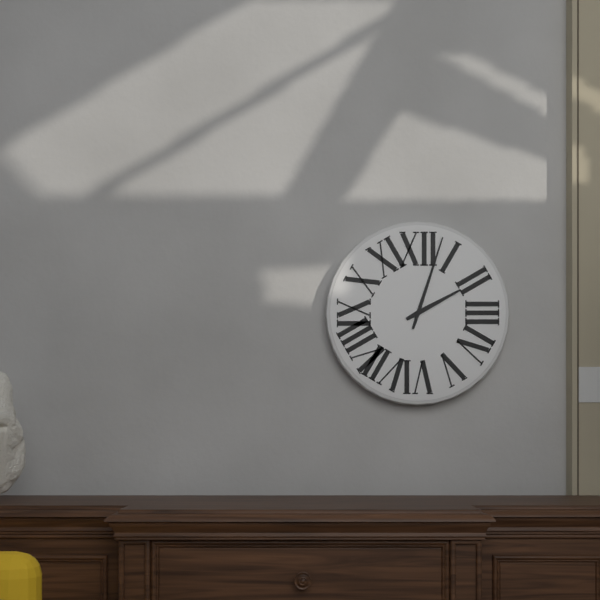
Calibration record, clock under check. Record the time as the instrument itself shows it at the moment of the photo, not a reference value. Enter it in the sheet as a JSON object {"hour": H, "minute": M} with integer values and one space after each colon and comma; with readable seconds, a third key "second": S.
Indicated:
{"hour": 2, "minute": 3}
